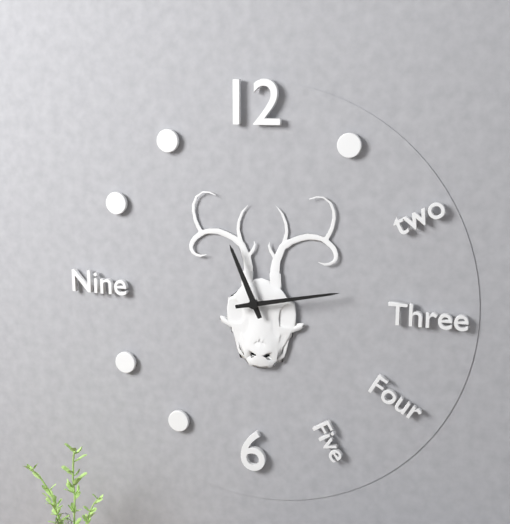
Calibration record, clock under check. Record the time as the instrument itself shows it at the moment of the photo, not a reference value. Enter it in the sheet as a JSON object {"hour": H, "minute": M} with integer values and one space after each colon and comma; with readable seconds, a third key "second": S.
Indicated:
{"hour": 11, "minute": 13}
